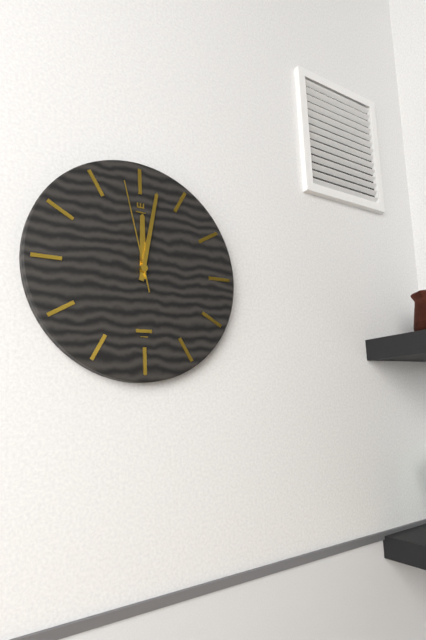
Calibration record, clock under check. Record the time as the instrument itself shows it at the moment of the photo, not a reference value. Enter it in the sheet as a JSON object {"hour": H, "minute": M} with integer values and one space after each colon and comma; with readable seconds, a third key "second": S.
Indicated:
{"hour": 12, "minute": 2, "second": 58}
